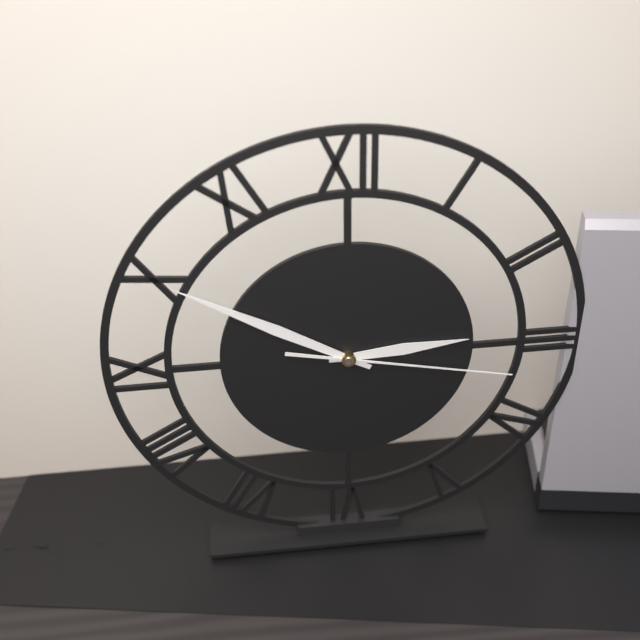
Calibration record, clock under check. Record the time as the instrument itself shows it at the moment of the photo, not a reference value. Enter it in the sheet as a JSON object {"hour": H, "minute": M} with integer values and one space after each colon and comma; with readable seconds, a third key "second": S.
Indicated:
{"hour": 2, "minute": 50, "second": 17}
